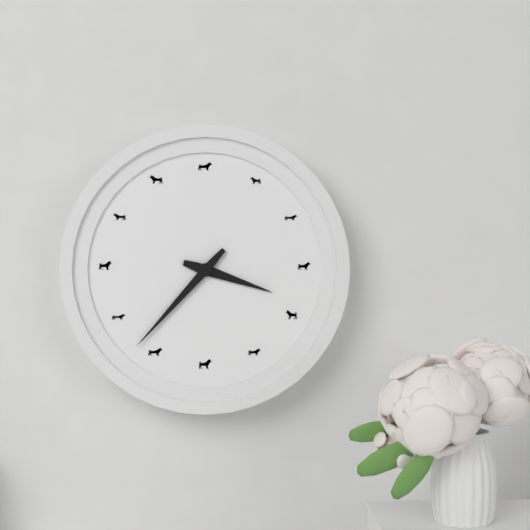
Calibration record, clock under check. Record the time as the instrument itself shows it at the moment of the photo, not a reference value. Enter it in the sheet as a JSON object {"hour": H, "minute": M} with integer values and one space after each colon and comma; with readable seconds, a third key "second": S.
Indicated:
{"hour": 3, "minute": 37}
